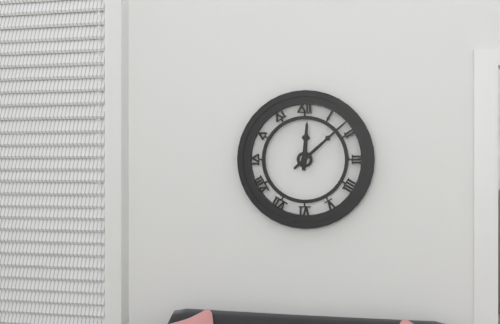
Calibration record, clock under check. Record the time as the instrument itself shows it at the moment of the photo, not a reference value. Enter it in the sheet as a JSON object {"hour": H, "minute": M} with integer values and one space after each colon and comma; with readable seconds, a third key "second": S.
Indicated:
{"hour": 12, "minute": 8}
